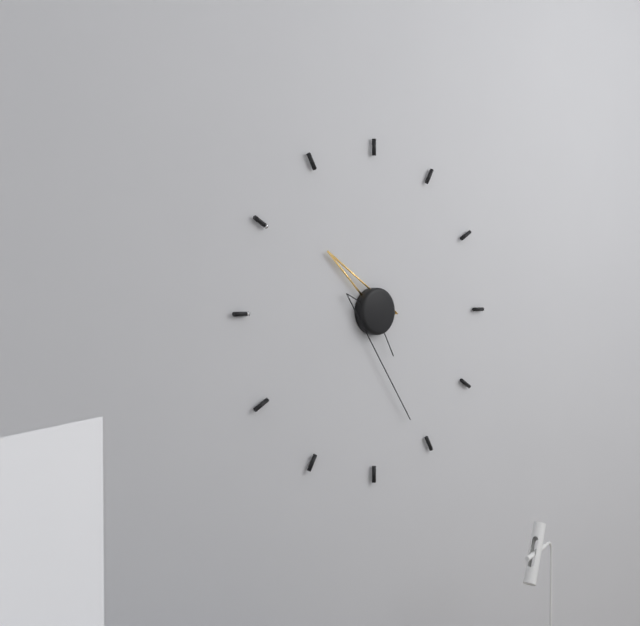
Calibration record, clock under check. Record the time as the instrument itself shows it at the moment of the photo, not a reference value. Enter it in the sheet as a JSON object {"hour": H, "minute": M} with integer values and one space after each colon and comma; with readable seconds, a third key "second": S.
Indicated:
{"hour": 10, "minute": 26}
